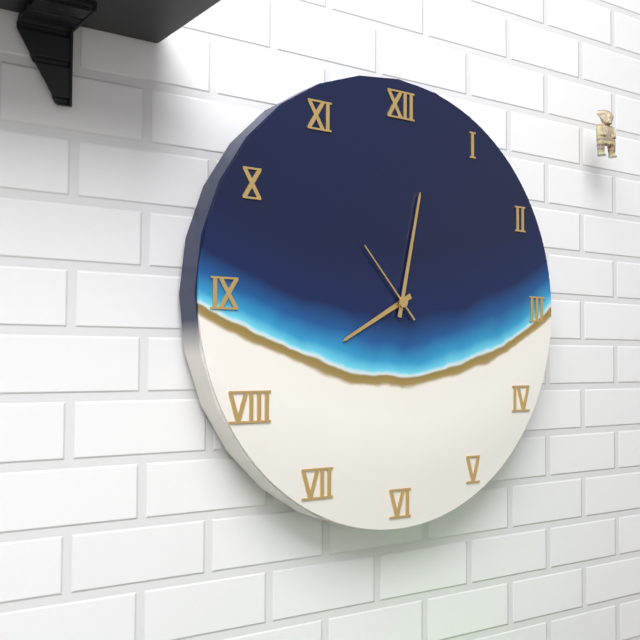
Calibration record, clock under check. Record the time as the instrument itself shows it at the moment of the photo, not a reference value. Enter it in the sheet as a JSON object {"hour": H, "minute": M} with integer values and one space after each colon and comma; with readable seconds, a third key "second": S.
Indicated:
{"hour": 8, "minute": 2, "second": 53}
